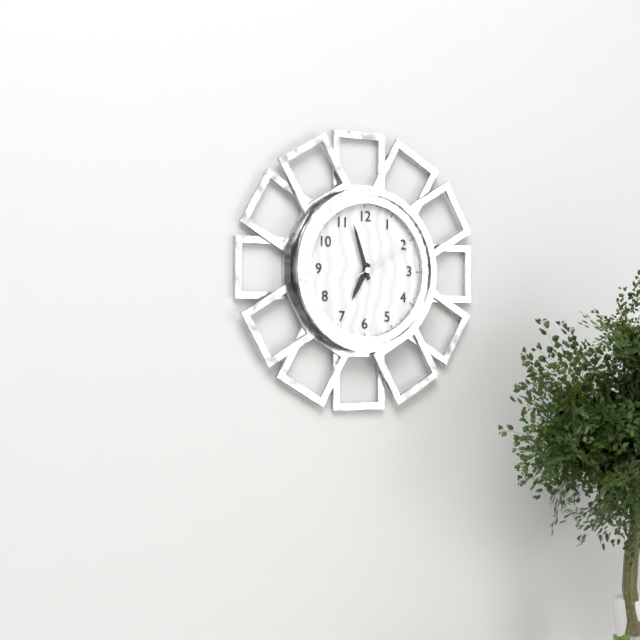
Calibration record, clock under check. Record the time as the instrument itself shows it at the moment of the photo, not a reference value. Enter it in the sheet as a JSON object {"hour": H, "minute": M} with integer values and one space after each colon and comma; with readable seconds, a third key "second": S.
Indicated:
{"hour": 6, "minute": 57, "second": 10}
